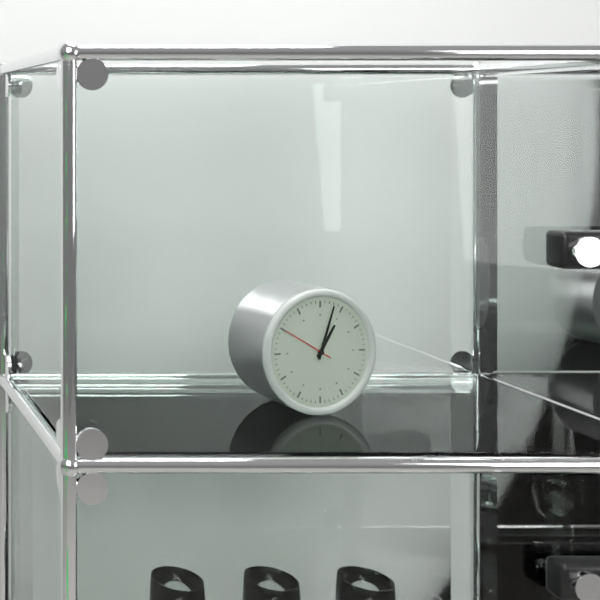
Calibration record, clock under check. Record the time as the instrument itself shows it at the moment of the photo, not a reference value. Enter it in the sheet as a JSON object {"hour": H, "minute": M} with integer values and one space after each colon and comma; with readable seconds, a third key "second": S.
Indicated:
{"hour": 1, "minute": 3}
